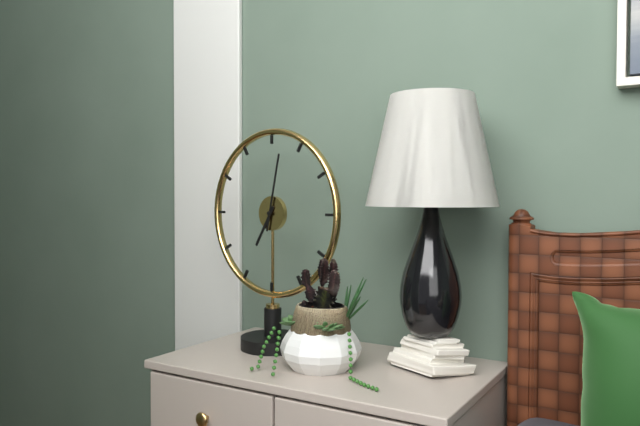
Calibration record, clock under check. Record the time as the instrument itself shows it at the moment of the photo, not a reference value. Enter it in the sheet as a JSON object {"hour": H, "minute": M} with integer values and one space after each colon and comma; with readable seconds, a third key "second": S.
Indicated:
{"hour": 7, "minute": 2}
